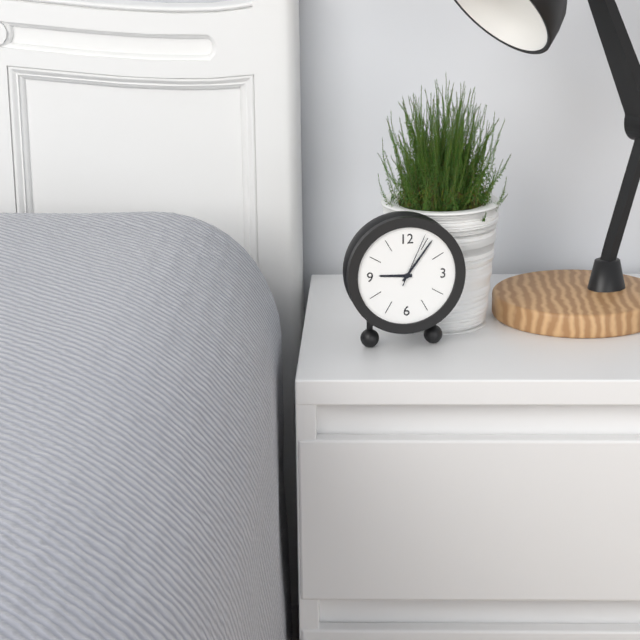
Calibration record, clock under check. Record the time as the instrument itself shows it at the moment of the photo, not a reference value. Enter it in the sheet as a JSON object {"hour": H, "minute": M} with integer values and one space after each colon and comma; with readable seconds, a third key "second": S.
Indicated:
{"hour": 9, "minute": 6, "second": 4}
